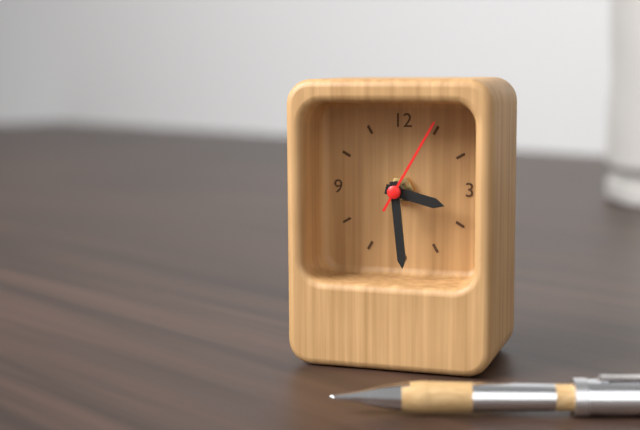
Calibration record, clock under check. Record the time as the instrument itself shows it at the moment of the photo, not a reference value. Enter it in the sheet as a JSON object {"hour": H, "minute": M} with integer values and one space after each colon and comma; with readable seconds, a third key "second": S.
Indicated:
{"hour": 3, "minute": 29, "second": 5}
